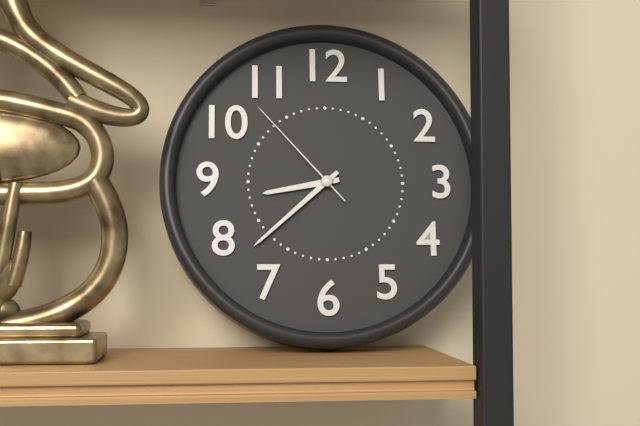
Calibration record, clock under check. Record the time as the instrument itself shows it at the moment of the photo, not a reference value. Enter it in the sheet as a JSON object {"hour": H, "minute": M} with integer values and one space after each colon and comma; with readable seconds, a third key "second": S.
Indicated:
{"hour": 8, "minute": 38, "second": 53}
